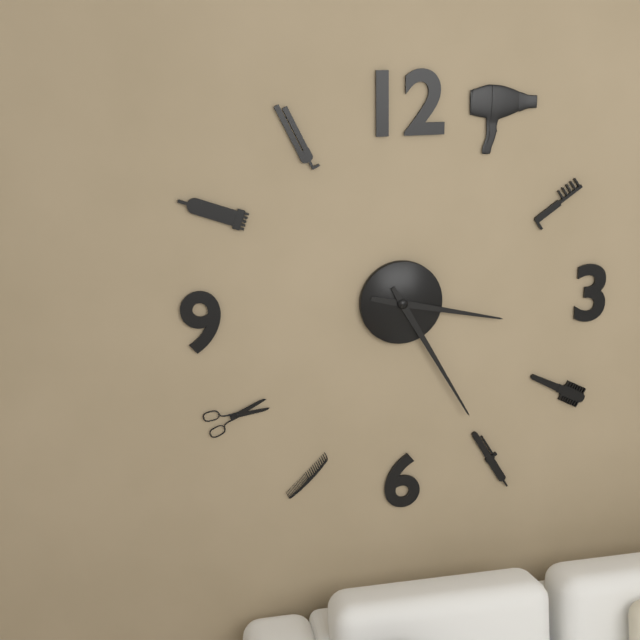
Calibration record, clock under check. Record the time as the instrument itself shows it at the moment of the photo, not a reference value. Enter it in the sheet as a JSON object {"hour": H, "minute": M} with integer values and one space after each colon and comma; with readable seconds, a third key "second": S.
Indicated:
{"hour": 3, "minute": 25}
